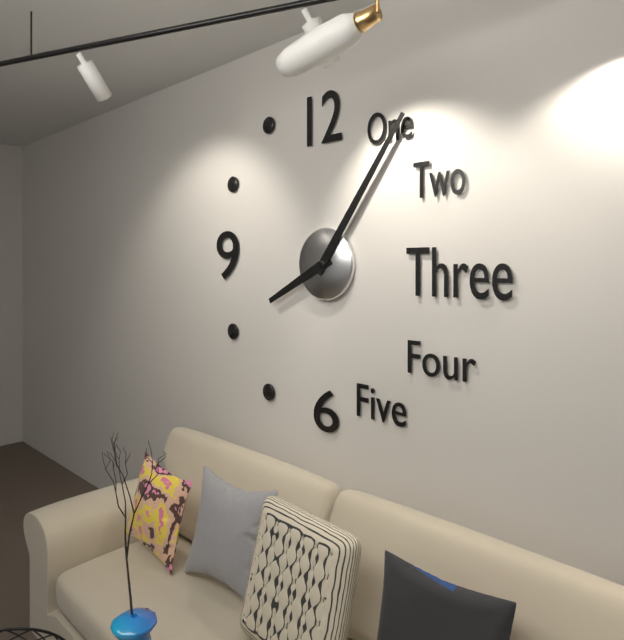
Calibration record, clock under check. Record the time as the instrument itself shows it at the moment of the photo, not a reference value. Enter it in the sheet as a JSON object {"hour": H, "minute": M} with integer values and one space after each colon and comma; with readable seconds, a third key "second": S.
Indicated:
{"hour": 8, "minute": 6}
